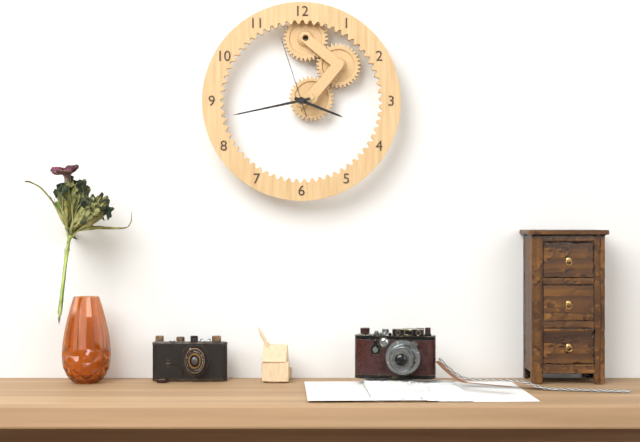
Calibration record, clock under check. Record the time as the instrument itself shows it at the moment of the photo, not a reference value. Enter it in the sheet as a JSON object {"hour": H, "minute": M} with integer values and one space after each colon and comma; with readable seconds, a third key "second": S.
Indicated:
{"hour": 3, "minute": 43, "second": 57}
